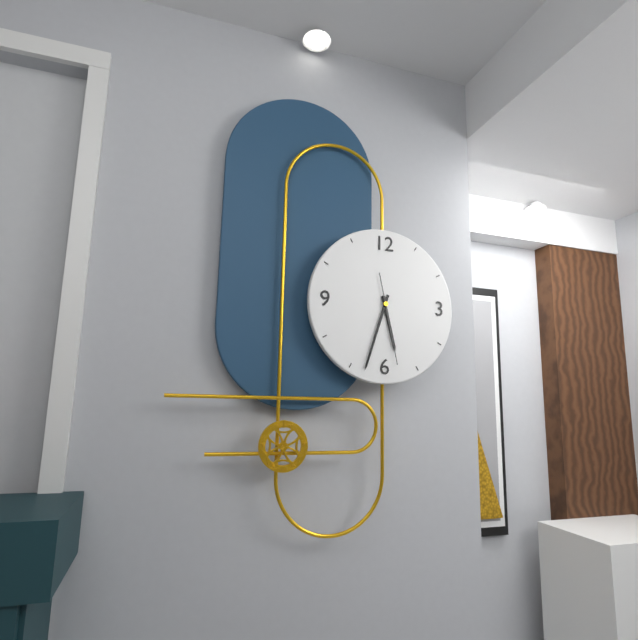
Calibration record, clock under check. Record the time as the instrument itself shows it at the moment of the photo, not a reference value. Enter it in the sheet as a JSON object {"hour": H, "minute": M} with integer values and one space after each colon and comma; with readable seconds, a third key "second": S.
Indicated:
{"hour": 5, "minute": 33, "second": 28}
